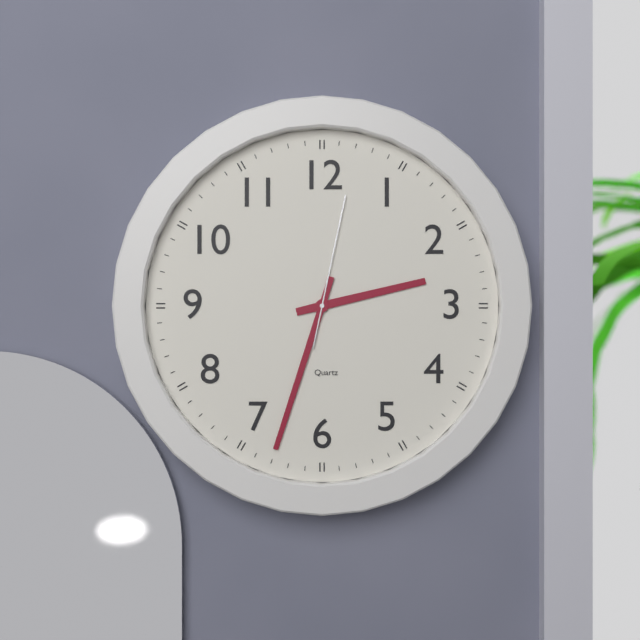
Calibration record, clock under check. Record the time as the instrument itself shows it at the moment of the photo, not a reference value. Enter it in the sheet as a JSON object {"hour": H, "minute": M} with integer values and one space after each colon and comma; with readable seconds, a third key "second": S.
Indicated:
{"hour": 2, "minute": 33, "second": 2}
